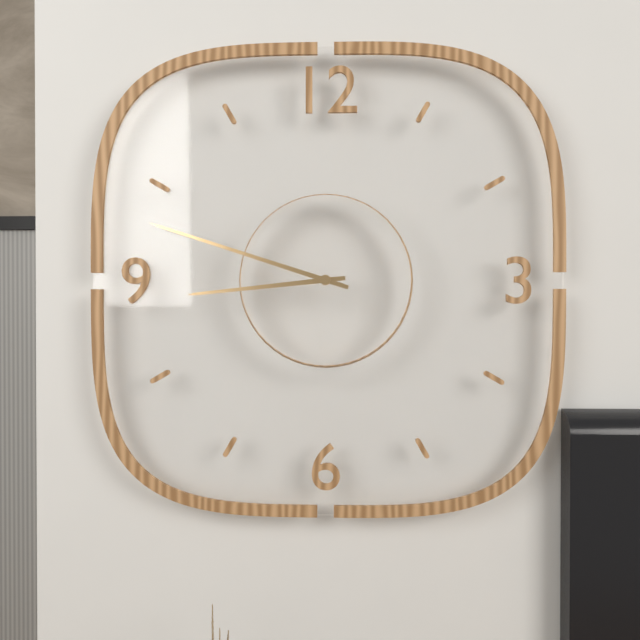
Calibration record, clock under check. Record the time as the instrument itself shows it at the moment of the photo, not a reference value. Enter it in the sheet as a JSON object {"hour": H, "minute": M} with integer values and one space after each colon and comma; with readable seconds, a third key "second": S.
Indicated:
{"hour": 8, "minute": 48}
